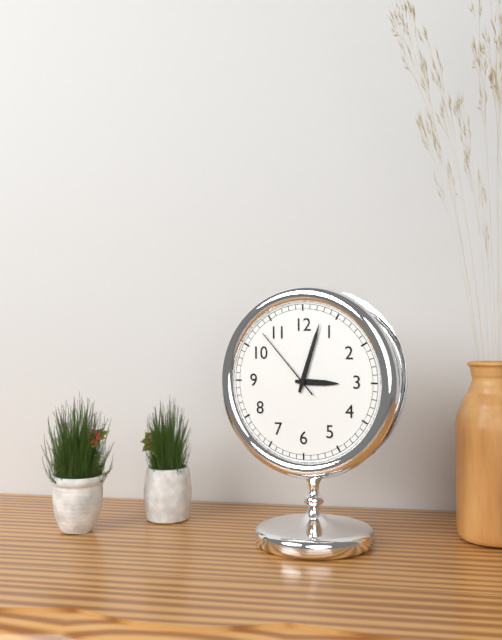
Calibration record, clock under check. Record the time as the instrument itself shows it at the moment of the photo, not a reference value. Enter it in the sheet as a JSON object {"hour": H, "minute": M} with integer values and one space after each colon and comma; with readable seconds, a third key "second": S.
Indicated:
{"hour": 3, "minute": 3, "second": 53}
